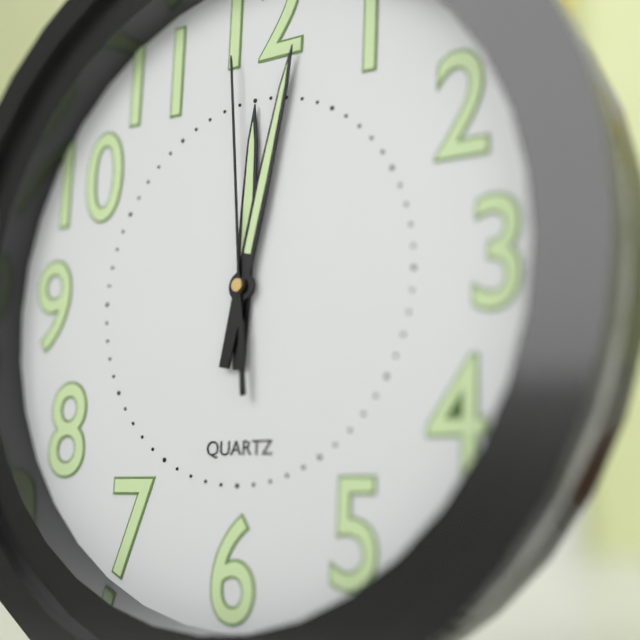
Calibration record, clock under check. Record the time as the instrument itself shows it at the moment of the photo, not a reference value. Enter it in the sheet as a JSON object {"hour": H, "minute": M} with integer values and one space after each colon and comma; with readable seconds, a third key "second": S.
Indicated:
{"hour": 12, "minute": 2, "second": 59}
